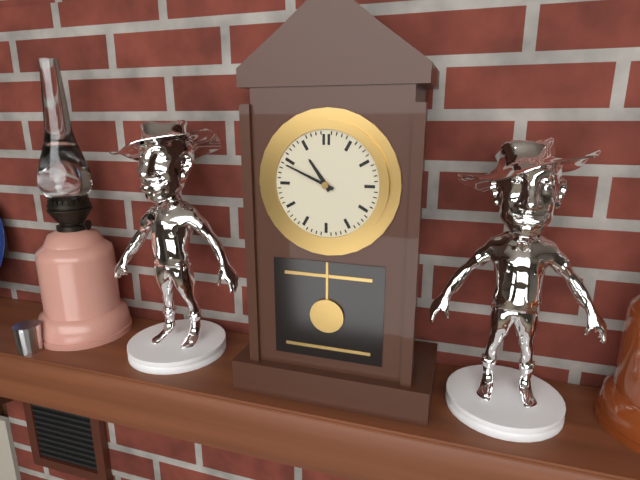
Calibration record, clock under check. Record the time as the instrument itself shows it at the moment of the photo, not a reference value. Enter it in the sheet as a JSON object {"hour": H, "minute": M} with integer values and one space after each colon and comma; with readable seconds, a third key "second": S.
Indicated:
{"hour": 10, "minute": 49}
